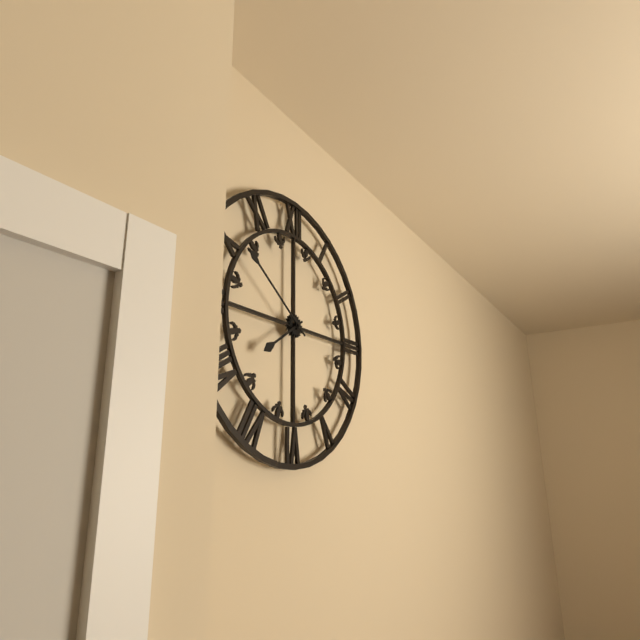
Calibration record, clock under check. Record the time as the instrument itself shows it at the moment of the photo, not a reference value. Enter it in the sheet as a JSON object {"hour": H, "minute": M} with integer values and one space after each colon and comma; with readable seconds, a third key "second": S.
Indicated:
{"hour": 7, "minute": 51}
